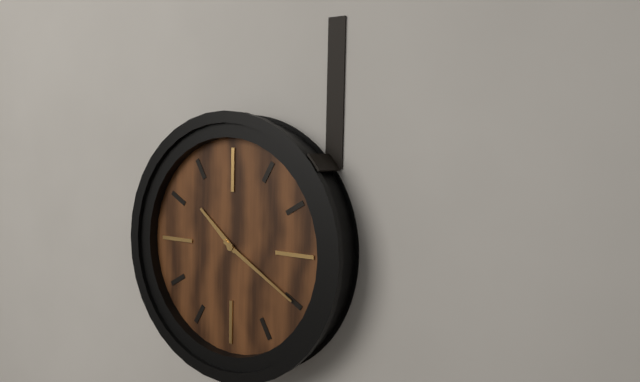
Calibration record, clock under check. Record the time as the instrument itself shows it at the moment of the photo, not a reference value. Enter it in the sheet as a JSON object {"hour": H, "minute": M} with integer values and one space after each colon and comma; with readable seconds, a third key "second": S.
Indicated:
{"hour": 10, "minute": 20}
